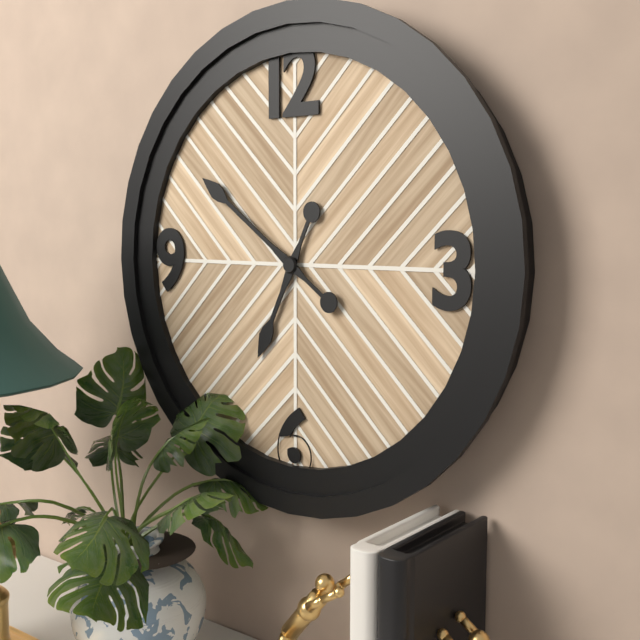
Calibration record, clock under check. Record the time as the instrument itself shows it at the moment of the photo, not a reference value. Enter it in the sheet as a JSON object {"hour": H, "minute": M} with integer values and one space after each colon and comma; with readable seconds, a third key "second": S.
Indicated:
{"hour": 6, "minute": 51}
